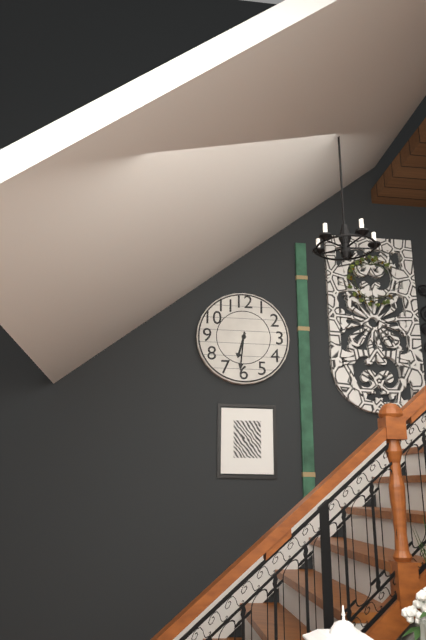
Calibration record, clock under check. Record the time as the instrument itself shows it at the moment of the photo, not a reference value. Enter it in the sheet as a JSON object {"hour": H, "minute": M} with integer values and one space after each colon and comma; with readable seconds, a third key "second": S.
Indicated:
{"hour": 6, "minute": 31}
